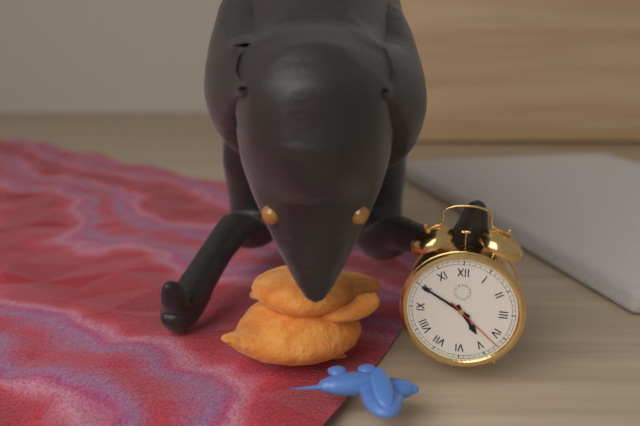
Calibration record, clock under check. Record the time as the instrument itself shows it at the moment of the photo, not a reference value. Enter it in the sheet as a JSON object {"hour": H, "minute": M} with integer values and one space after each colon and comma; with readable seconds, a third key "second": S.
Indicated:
{"hour": 4, "minute": 50, "second": 22}
